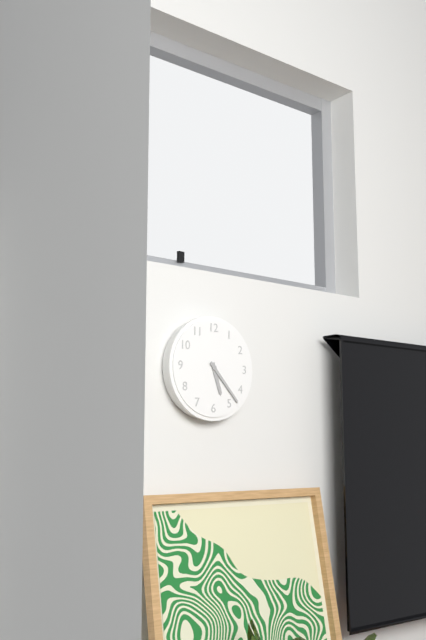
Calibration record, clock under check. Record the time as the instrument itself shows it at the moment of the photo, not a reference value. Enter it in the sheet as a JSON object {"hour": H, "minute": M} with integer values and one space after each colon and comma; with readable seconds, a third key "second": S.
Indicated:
{"hour": 5, "minute": 23}
